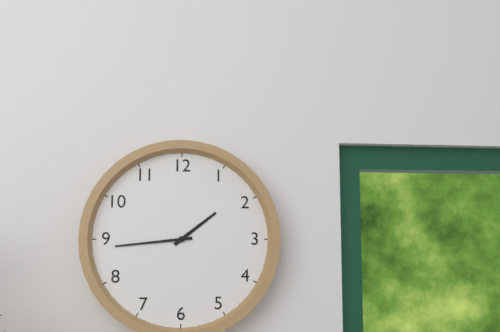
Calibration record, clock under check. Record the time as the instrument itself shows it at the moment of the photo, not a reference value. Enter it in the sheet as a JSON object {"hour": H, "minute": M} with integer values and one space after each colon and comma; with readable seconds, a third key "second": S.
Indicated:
{"hour": 1, "minute": 44}
